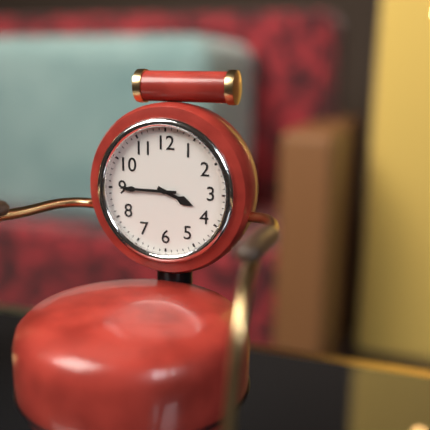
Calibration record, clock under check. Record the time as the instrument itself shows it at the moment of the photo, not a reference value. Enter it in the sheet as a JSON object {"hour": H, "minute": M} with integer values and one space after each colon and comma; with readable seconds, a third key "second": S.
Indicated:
{"hour": 3, "minute": 45}
